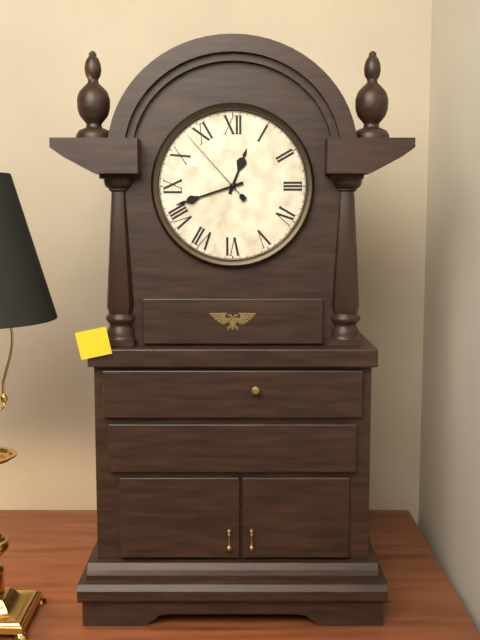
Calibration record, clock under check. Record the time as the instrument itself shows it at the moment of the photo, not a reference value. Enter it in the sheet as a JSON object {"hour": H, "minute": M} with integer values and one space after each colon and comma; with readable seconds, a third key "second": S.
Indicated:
{"hour": 12, "minute": 42, "second": 53}
